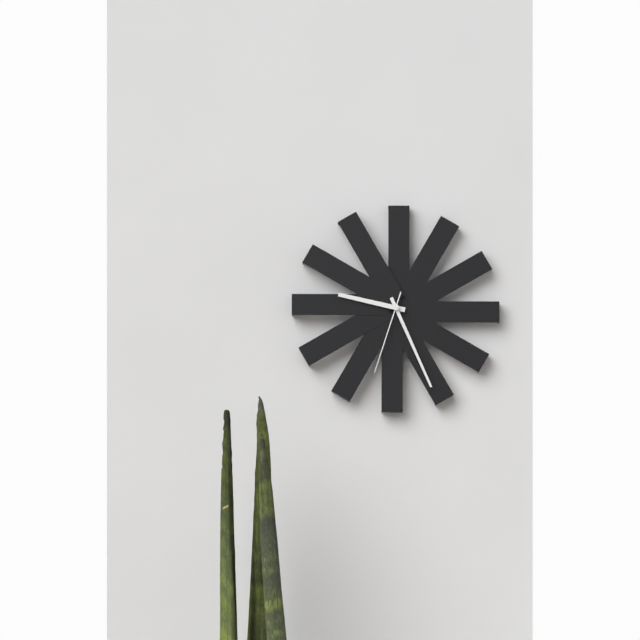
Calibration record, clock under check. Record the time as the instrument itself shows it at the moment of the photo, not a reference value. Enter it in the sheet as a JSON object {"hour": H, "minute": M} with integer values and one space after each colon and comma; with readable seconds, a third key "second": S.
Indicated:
{"hour": 9, "minute": 26, "second": 33}
